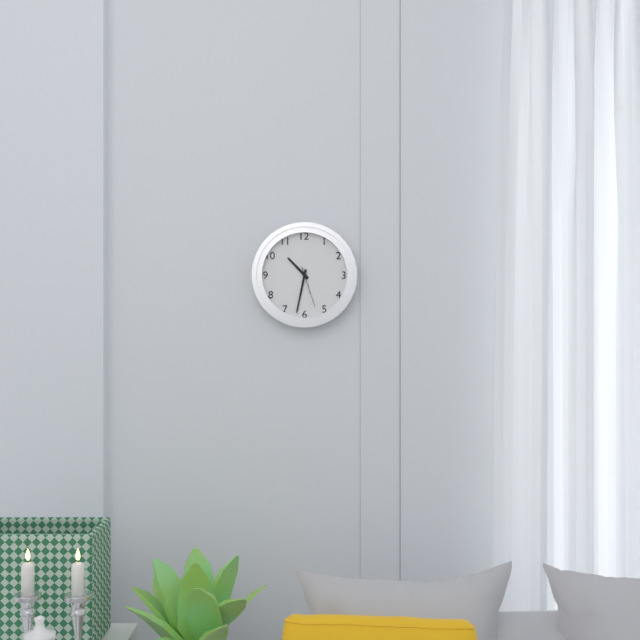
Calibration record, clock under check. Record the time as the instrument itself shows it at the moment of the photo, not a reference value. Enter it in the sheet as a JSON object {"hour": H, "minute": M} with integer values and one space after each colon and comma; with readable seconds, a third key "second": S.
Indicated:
{"hour": 10, "minute": 32}
